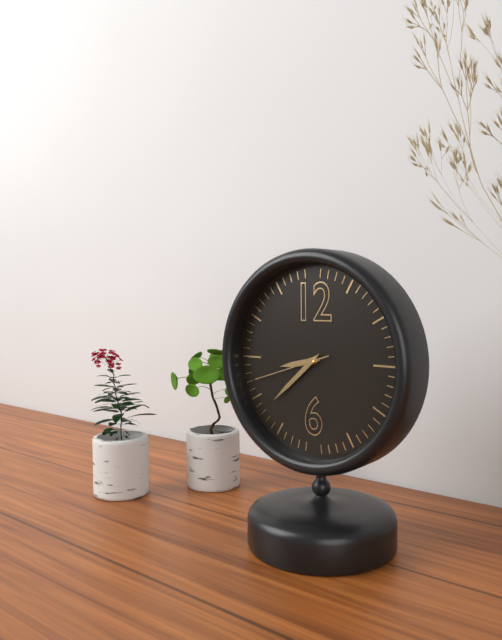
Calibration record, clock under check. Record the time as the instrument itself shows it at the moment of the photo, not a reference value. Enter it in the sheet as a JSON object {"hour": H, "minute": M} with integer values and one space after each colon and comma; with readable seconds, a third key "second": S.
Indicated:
{"hour": 8, "minute": 38, "second": 42}
